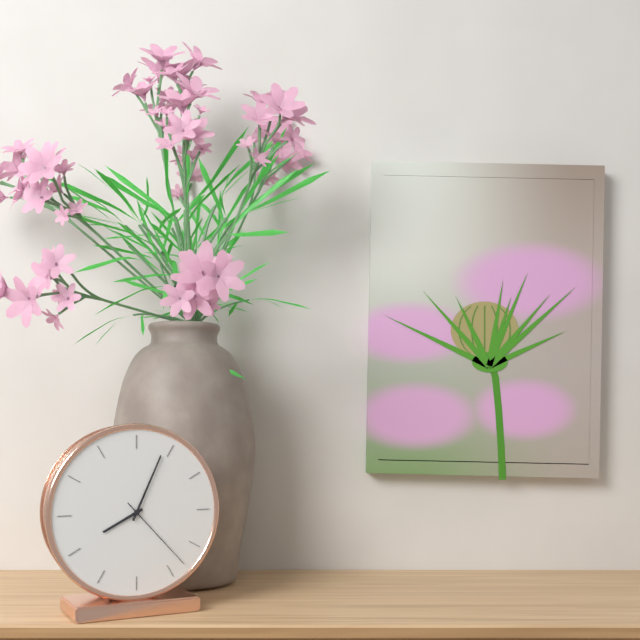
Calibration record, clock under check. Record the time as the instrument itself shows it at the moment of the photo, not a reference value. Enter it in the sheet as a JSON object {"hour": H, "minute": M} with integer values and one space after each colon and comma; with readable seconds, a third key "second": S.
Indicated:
{"hour": 8, "minute": 4, "second": 23}
